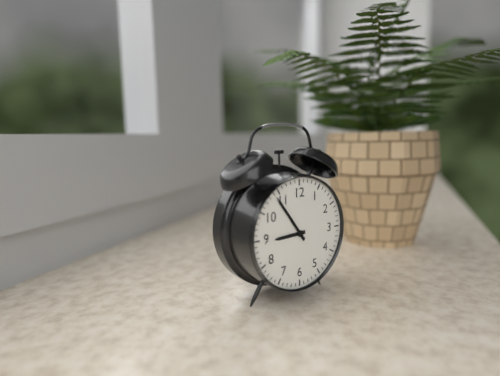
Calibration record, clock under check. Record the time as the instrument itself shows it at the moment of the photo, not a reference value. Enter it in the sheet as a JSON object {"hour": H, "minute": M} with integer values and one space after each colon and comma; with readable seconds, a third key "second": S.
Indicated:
{"hour": 8, "minute": 54}
